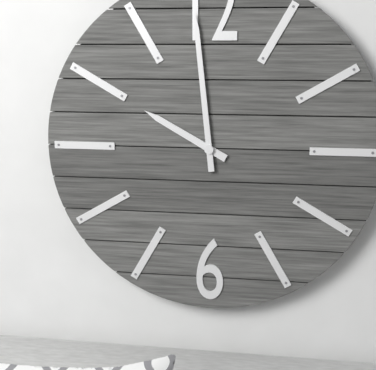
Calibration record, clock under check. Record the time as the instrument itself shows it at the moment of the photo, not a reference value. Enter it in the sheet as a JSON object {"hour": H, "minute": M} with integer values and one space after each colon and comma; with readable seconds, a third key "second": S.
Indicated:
{"hour": 9, "minute": 59}
